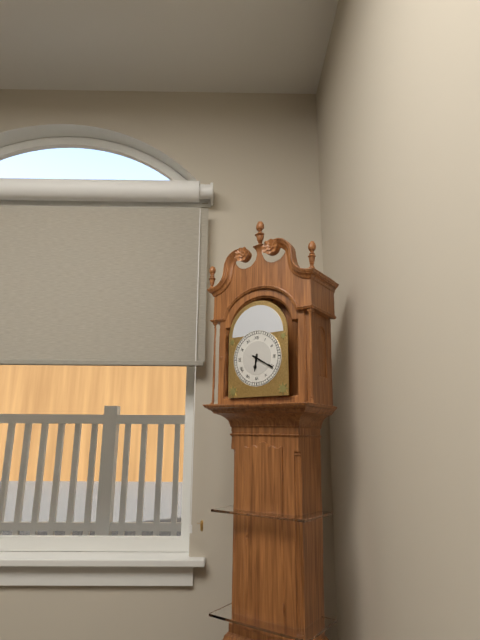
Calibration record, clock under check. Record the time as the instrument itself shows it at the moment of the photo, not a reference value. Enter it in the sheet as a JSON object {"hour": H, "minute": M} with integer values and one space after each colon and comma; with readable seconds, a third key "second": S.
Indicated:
{"hour": 6, "minute": 20}
